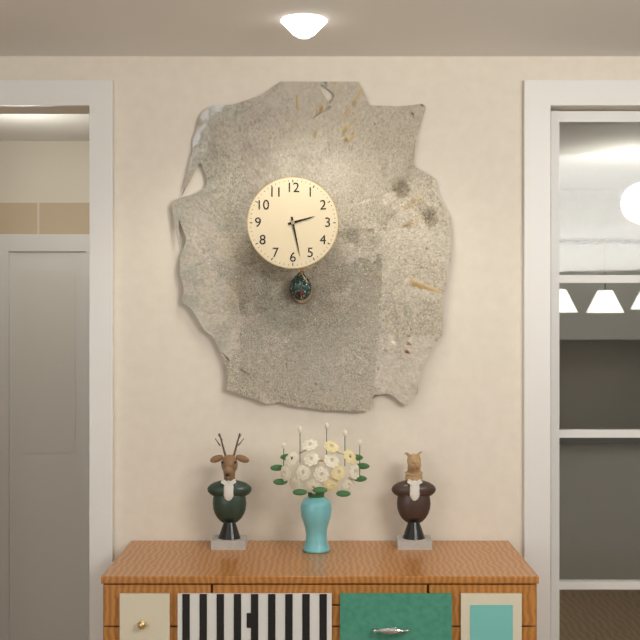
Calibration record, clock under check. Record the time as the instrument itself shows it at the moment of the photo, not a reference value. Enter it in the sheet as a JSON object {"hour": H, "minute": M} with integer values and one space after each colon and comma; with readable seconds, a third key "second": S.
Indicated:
{"hour": 2, "minute": 28}
